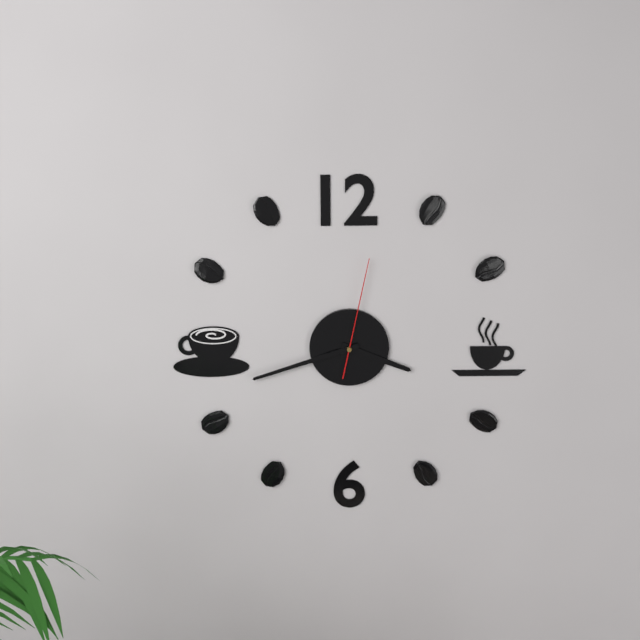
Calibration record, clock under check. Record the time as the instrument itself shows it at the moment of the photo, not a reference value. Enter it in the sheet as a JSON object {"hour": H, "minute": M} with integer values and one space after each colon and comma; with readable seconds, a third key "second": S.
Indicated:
{"hour": 3, "minute": 42, "second": 2}
